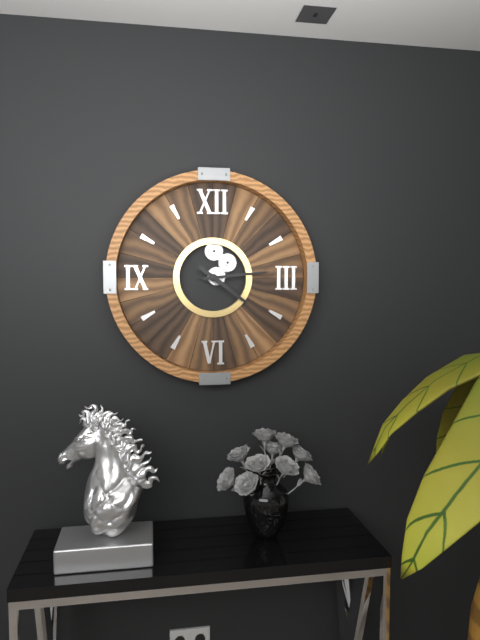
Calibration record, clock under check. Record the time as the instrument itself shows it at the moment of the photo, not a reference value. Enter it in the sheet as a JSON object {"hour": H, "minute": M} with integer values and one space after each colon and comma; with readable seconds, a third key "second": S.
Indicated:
{"hour": 4, "minute": 14}
